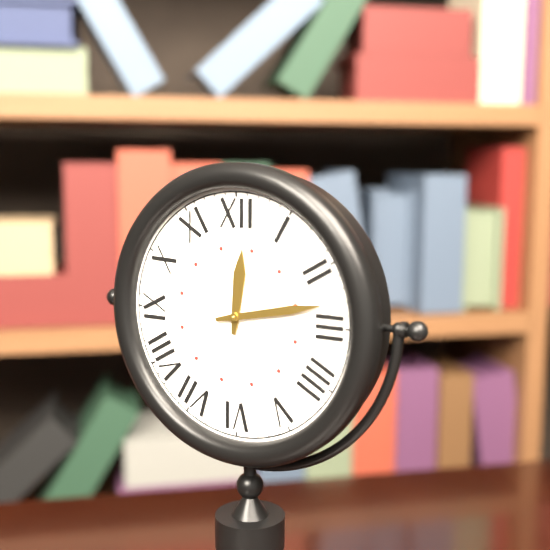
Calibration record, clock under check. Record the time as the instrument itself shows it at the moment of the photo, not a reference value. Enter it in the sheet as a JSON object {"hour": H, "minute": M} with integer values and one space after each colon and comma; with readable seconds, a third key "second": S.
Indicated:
{"hour": 12, "minute": 13}
